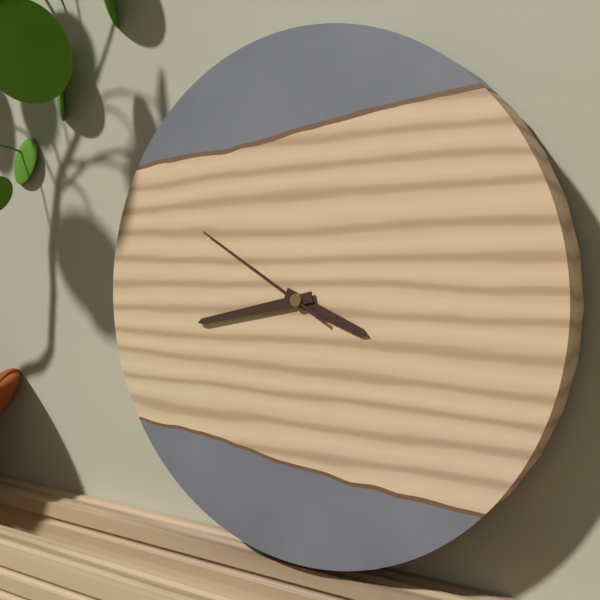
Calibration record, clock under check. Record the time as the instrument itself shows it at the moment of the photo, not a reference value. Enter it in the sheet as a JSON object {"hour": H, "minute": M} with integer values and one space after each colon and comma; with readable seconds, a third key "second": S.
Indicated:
{"hour": 3, "minute": 43, "second": 50}
